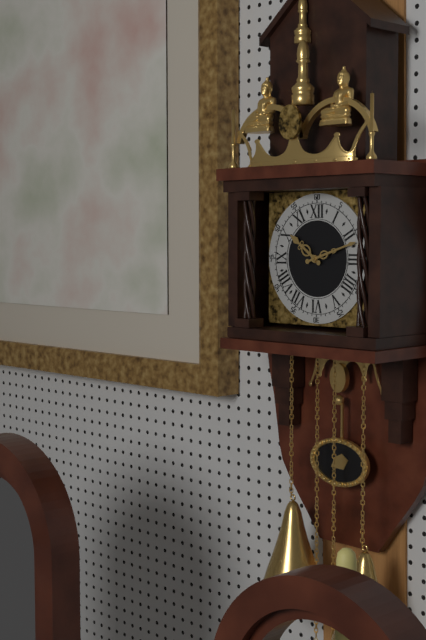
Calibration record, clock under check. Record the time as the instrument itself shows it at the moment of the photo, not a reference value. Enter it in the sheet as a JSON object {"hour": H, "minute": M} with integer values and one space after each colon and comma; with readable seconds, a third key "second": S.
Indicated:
{"hour": 10, "minute": 12}
